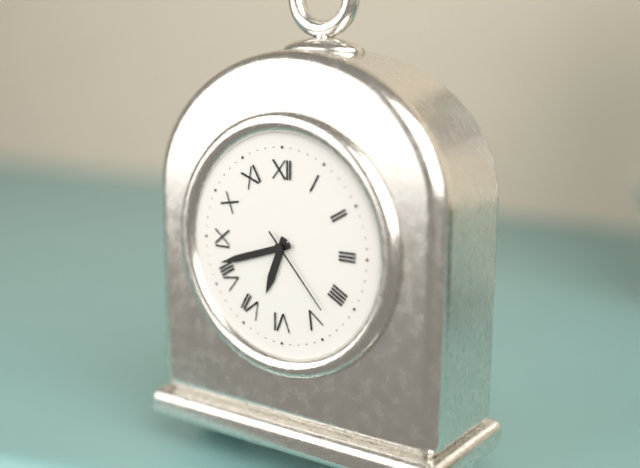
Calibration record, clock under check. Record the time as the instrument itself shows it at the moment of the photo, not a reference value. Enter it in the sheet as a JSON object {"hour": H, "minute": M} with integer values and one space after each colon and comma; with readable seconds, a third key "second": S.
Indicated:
{"hour": 6, "minute": 42, "second": 23}
